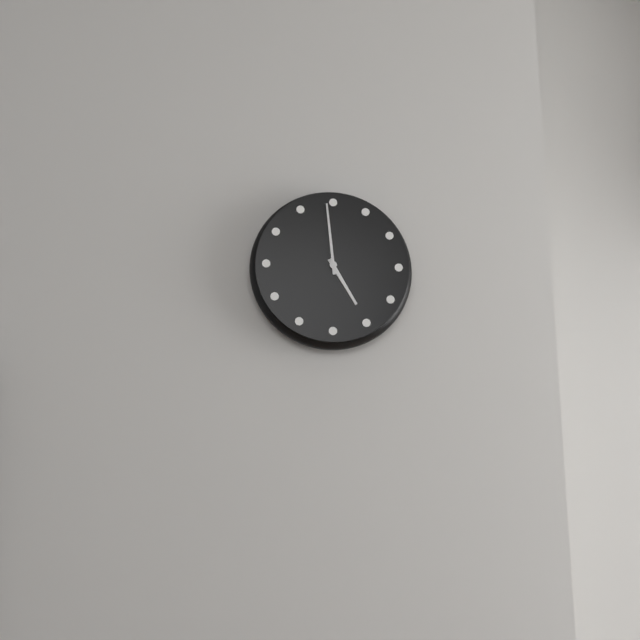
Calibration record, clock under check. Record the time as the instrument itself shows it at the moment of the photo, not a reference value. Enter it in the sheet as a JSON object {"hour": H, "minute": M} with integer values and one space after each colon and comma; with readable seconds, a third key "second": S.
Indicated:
{"hour": 4, "minute": 59}
